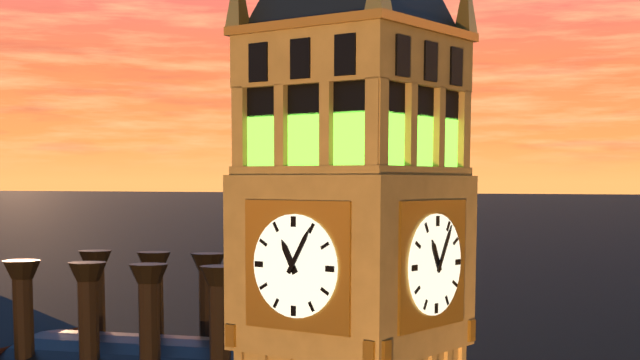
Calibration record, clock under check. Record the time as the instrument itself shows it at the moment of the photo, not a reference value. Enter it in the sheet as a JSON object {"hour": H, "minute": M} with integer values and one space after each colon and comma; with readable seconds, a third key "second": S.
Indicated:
{"hour": 11, "minute": 5}
